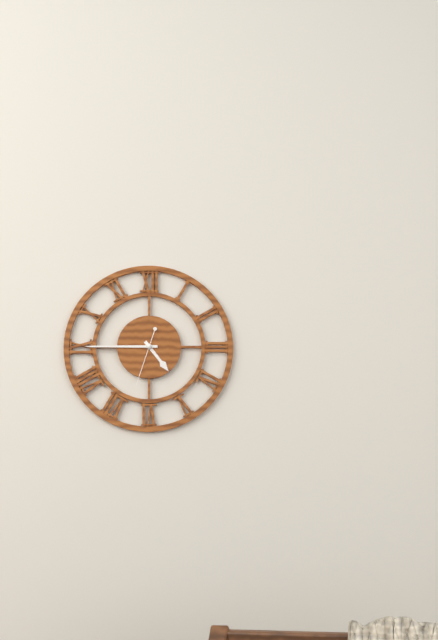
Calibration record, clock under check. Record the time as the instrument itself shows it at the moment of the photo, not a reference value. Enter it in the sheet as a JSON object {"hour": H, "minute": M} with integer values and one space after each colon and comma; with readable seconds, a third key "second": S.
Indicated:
{"hour": 4, "minute": 45}
